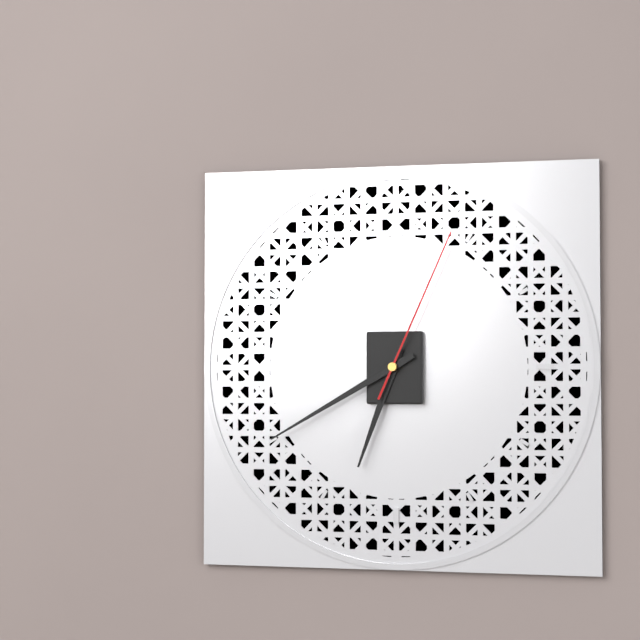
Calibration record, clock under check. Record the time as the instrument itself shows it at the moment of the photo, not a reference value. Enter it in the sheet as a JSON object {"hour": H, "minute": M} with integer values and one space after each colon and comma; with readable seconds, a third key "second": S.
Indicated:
{"hour": 6, "minute": 40, "second": 4}
